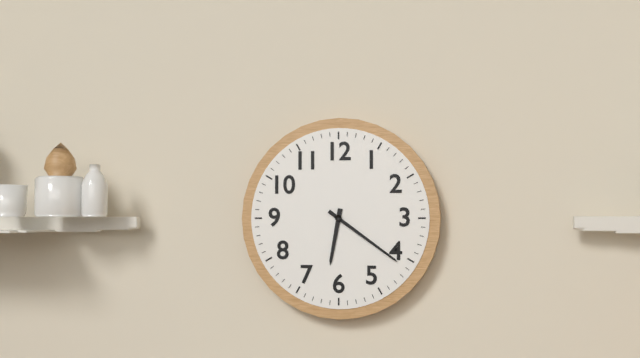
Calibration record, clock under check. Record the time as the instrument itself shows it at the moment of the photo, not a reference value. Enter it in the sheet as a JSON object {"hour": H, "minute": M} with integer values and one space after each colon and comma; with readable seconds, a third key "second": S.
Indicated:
{"hour": 6, "minute": 21}
